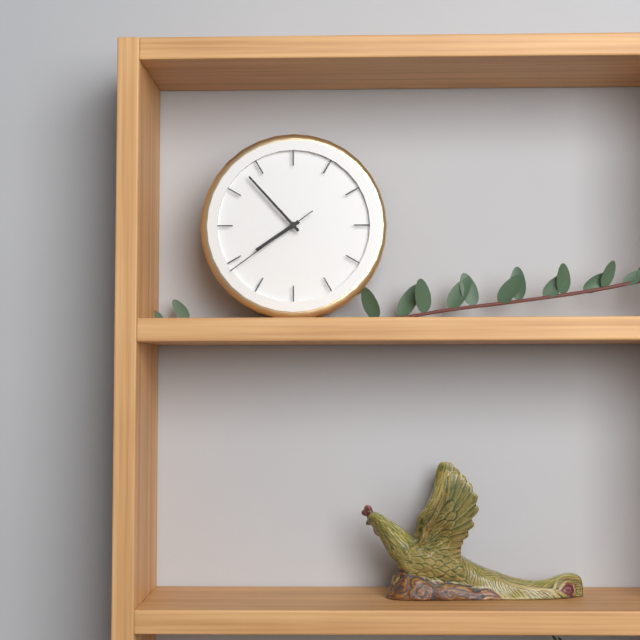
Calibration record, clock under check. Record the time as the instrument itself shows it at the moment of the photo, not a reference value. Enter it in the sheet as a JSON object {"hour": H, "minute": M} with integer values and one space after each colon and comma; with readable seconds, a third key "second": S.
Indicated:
{"hour": 7, "minute": 53, "second": 39}
